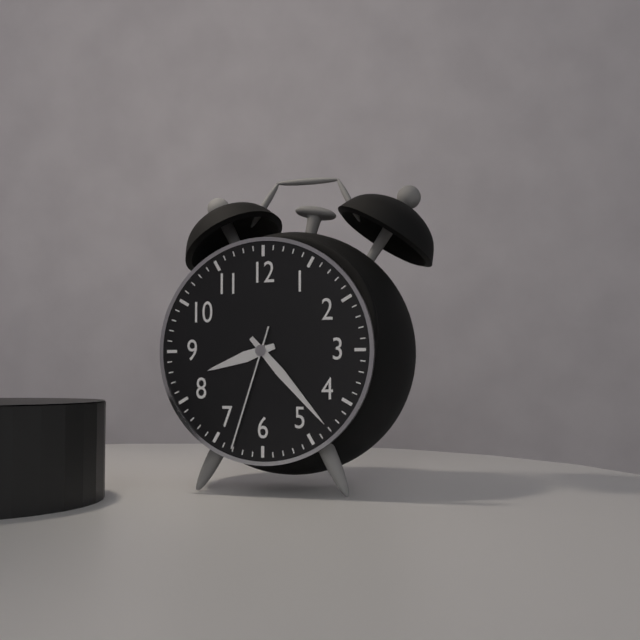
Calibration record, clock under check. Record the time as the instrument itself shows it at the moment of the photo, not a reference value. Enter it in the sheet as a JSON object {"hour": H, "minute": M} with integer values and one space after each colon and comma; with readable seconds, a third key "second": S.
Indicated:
{"hour": 8, "minute": 23, "second": 33}
